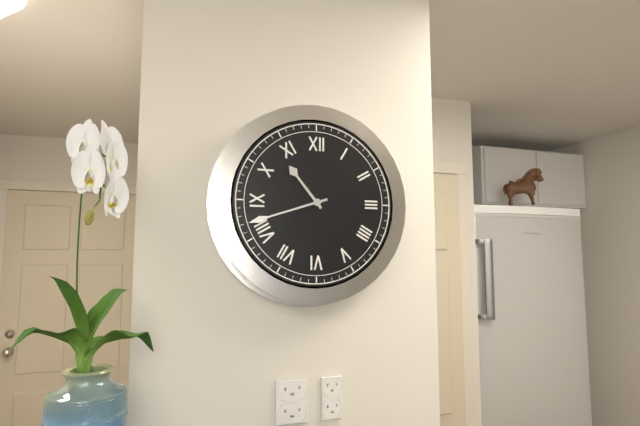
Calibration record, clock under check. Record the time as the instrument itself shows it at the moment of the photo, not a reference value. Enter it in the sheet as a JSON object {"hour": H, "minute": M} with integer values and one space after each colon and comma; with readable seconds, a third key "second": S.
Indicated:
{"hour": 10, "minute": 42}
